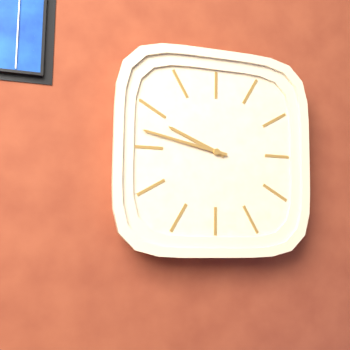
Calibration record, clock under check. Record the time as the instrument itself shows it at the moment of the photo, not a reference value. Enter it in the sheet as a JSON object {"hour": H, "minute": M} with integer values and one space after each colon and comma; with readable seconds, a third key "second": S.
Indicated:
{"hour": 9, "minute": 47}
